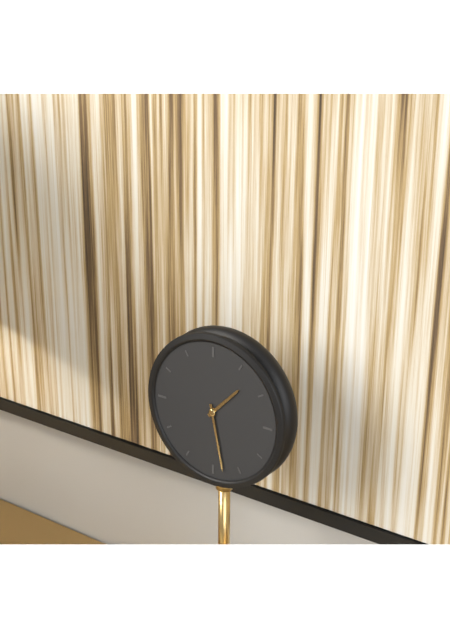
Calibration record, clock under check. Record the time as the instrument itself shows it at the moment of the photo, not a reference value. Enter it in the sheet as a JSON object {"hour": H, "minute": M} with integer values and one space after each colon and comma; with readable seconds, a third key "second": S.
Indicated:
{"hour": 1, "minute": 28}
